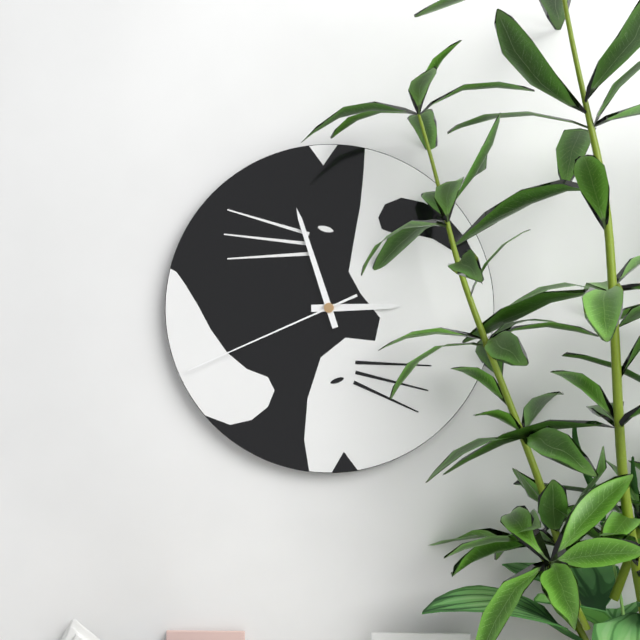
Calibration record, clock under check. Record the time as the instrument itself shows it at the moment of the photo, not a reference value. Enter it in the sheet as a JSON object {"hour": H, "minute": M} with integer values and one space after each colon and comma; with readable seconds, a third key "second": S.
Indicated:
{"hour": 2, "minute": 57, "second": 41}
